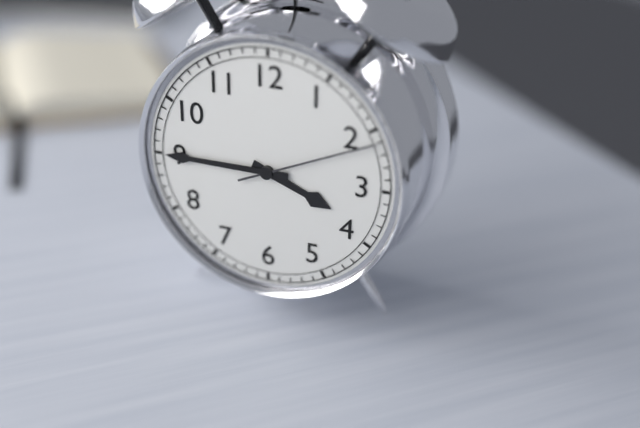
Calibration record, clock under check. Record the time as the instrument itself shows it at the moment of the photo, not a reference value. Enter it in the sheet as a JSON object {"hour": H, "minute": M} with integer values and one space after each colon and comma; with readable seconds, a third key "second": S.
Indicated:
{"hour": 3, "minute": 45, "second": 11}
